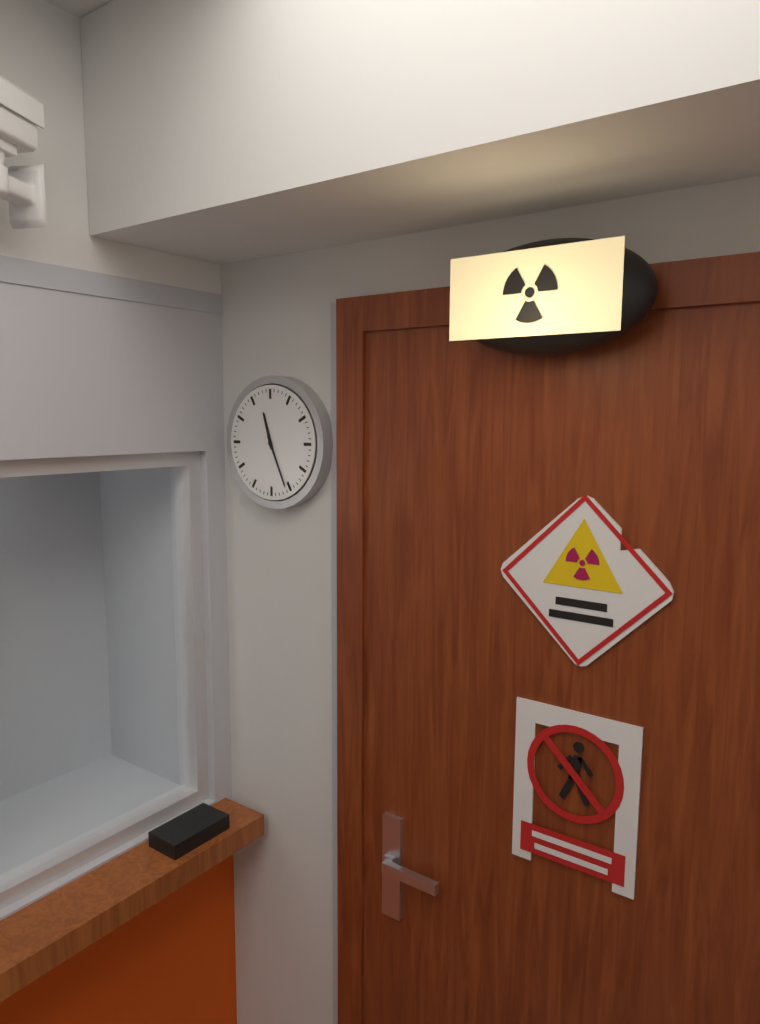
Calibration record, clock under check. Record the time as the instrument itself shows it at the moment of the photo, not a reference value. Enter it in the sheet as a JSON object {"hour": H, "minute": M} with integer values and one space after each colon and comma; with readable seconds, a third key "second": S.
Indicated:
{"hour": 11, "minute": 26}
